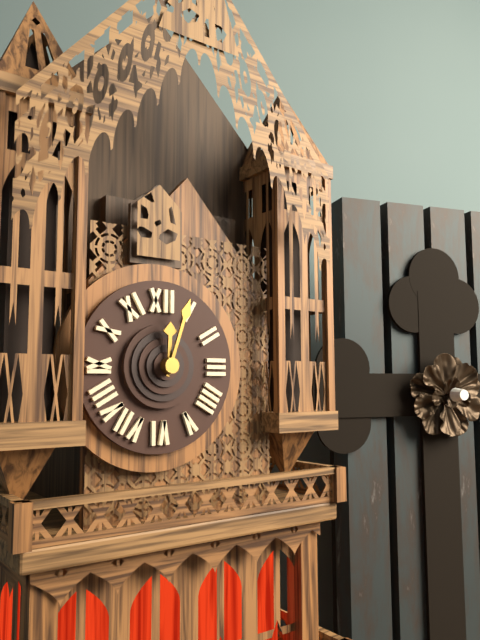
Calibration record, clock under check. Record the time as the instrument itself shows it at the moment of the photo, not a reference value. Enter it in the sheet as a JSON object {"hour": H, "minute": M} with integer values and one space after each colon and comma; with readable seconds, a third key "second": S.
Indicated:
{"hour": 12, "minute": 3}
